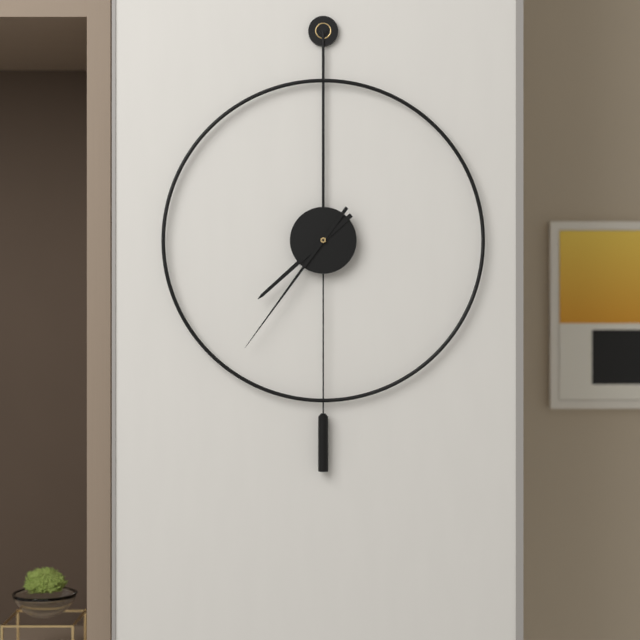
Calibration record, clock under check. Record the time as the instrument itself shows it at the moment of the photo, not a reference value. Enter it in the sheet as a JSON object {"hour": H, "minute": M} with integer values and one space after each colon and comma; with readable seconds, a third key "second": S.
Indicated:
{"hour": 7, "minute": 36}
